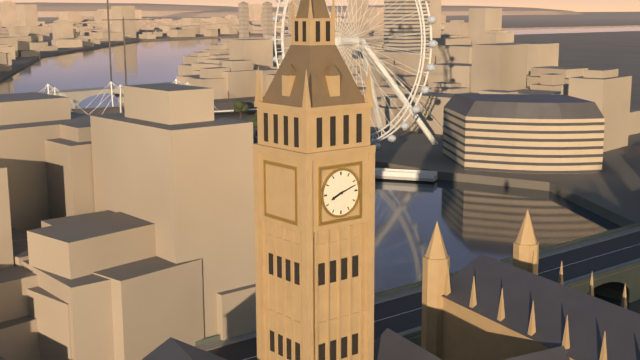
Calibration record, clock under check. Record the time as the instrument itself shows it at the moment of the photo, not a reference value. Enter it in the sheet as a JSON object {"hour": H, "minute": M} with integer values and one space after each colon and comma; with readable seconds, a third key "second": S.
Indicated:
{"hour": 8, "minute": 12}
